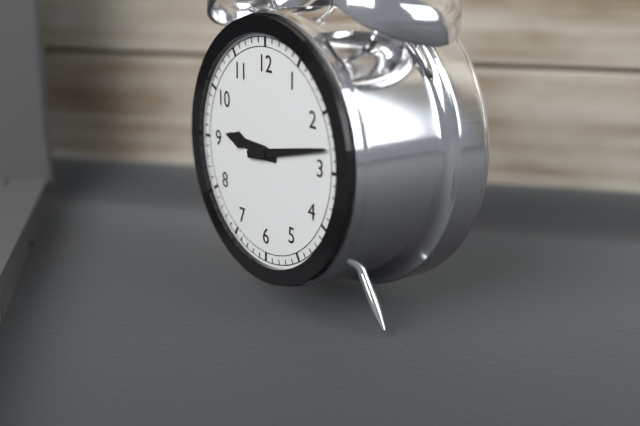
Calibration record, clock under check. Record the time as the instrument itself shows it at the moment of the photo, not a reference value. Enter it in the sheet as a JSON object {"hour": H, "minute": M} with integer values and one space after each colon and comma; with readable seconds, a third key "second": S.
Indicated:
{"hour": 9, "minute": 13}
